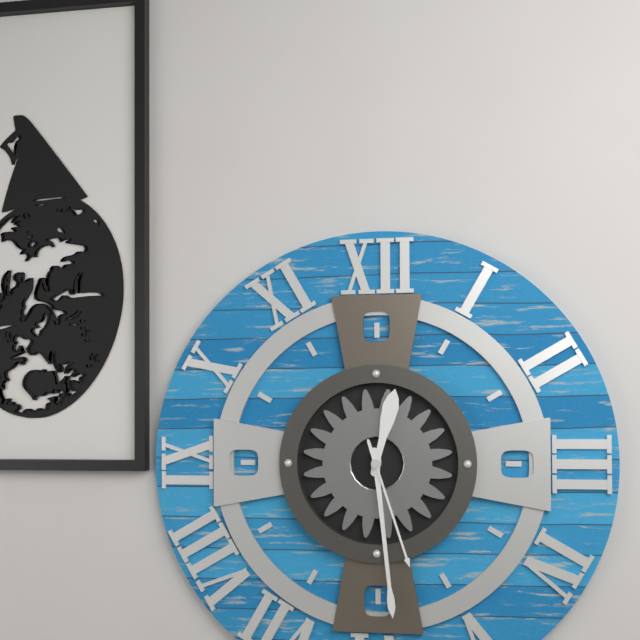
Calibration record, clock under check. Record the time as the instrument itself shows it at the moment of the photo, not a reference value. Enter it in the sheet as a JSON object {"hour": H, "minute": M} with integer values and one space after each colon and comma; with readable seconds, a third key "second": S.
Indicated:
{"hour": 12, "minute": 29, "second": 27}
